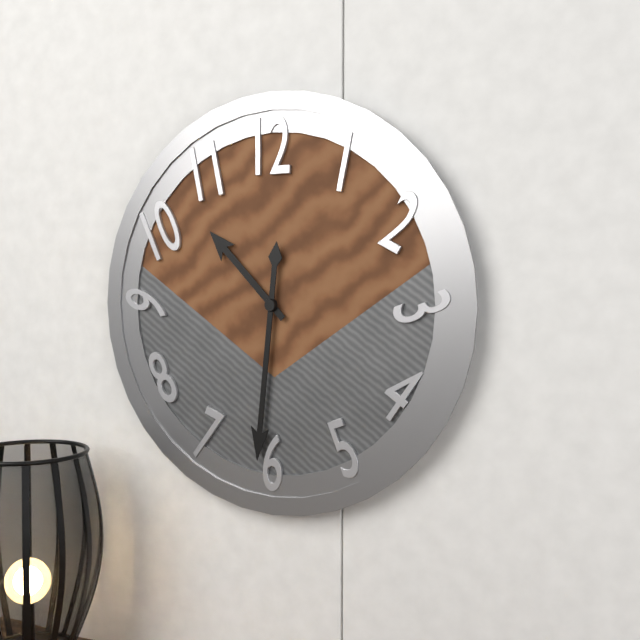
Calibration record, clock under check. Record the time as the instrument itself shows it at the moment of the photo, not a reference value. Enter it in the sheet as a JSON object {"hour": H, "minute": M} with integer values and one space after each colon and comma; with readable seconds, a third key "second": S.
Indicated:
{"hour": 10, "minute": 31}
